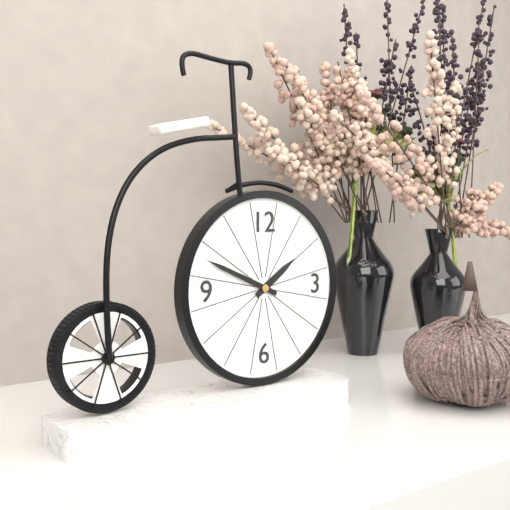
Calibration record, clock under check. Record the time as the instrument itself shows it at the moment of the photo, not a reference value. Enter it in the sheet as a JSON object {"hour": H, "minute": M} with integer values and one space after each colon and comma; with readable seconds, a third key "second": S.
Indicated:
{"hour": 1, "minute": 49}
